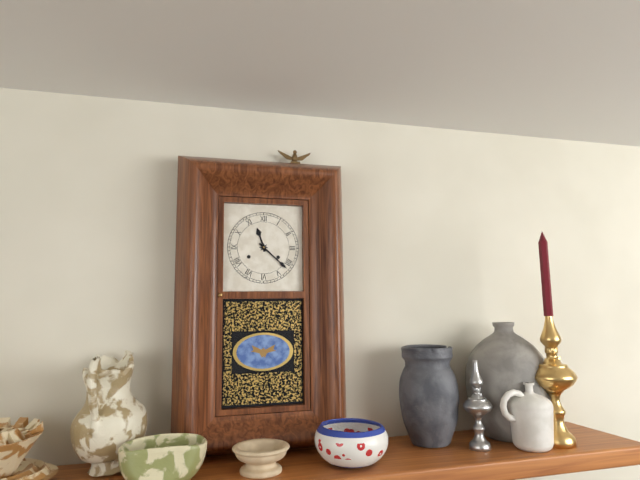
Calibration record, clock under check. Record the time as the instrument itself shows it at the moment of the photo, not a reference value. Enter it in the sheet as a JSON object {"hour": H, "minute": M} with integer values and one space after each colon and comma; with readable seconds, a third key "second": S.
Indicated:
{"hour": 11, "minute": 22}
